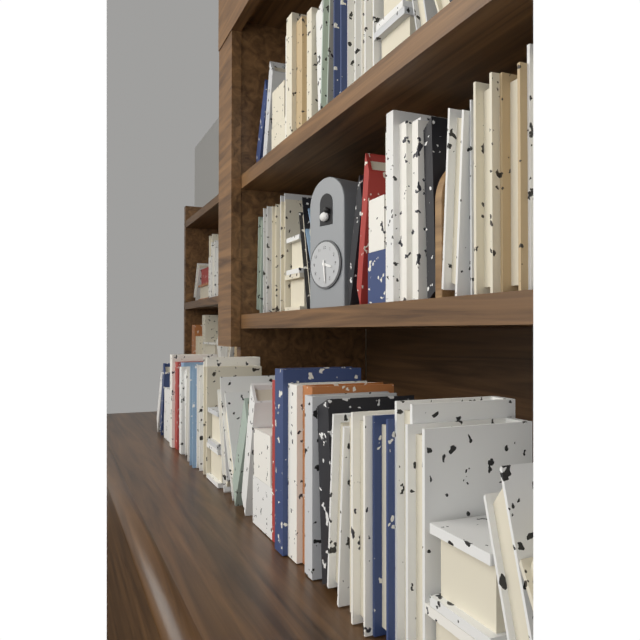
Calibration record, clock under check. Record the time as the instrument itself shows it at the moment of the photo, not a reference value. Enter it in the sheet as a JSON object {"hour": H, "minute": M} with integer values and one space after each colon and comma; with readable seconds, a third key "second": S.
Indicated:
{"hour": 3, "minute": 29}
